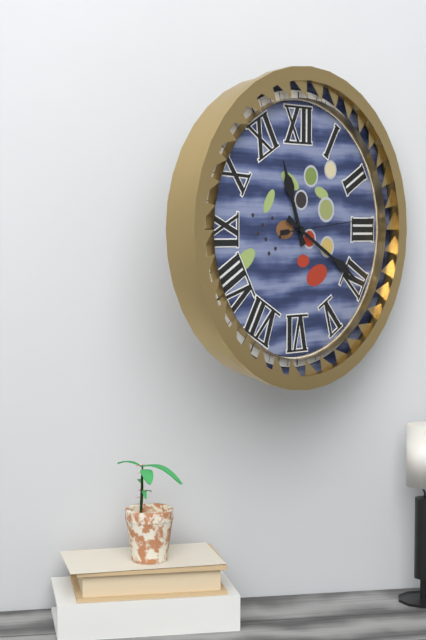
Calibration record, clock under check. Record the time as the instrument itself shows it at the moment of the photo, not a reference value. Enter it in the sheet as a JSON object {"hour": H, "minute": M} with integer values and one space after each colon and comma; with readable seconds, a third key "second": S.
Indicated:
{"hour": 11, "minute": 20, "second": 14}
